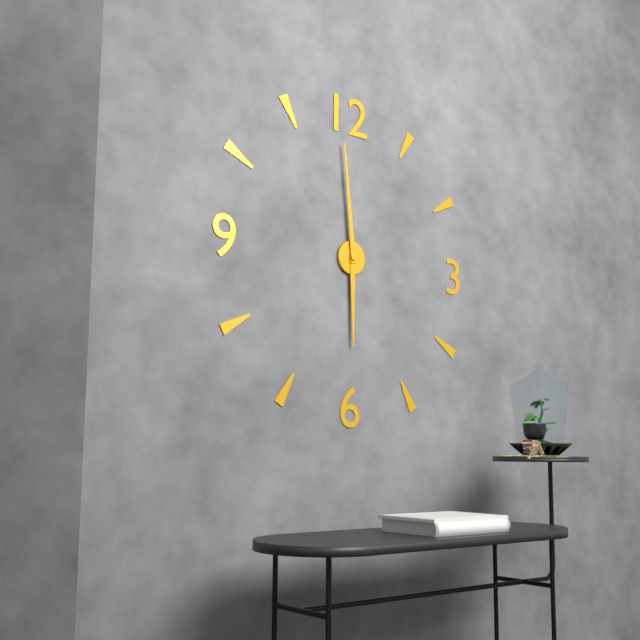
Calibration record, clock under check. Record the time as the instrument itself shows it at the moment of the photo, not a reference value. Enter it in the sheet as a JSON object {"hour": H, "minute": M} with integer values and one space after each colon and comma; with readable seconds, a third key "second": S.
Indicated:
{"hour": 5, "minute": 59}
